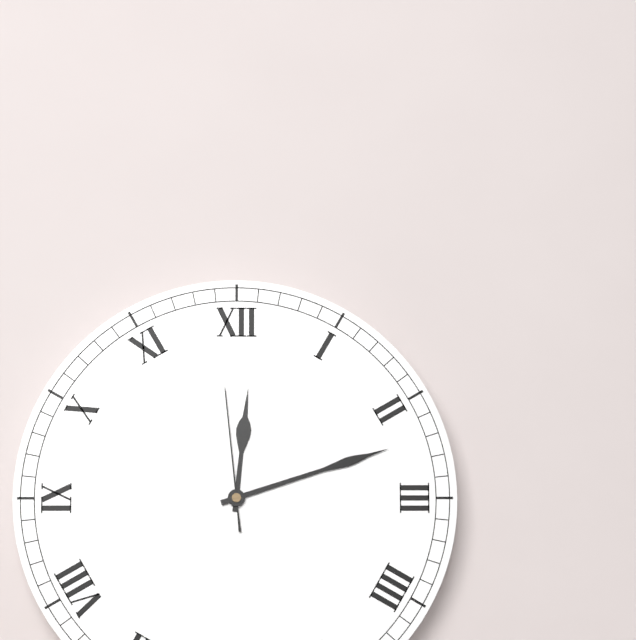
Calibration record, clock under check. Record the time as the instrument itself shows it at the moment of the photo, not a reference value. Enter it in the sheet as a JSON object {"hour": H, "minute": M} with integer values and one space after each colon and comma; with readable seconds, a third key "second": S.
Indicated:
{"hour": 12, "minute": 12, "second": 59}
